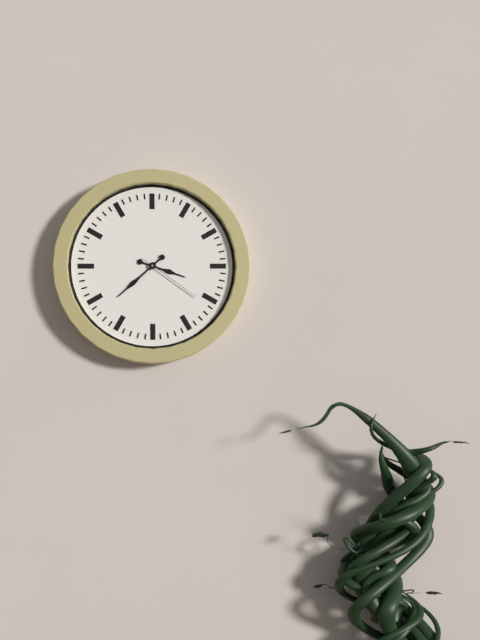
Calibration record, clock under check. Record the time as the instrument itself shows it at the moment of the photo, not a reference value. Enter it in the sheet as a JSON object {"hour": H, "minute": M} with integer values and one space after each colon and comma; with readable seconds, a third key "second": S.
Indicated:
{"hour": 3, "minute": 38, "second": 21}
